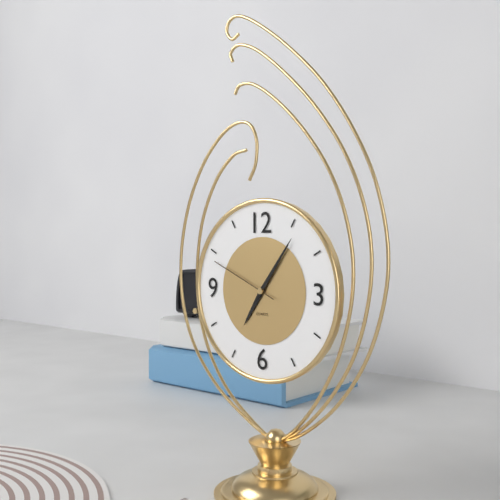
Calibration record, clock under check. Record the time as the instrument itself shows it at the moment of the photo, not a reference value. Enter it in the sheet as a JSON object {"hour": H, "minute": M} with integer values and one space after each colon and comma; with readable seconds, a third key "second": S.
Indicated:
{"hour": 7, "minute": 6, "second": 49}
